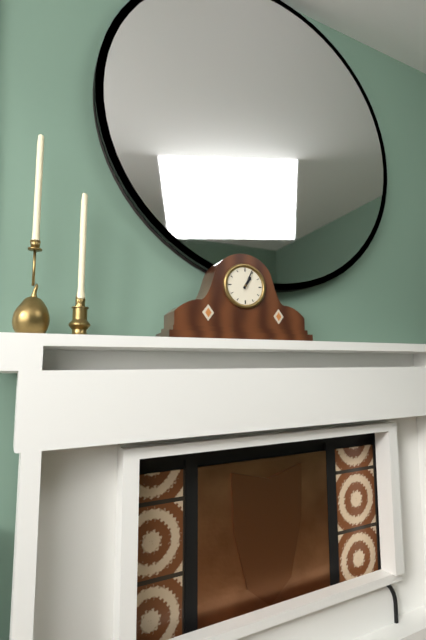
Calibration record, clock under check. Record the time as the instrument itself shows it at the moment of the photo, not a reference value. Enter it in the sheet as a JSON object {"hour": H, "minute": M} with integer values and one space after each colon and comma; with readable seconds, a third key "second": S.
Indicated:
{"hour": 1, "minute": 4}
